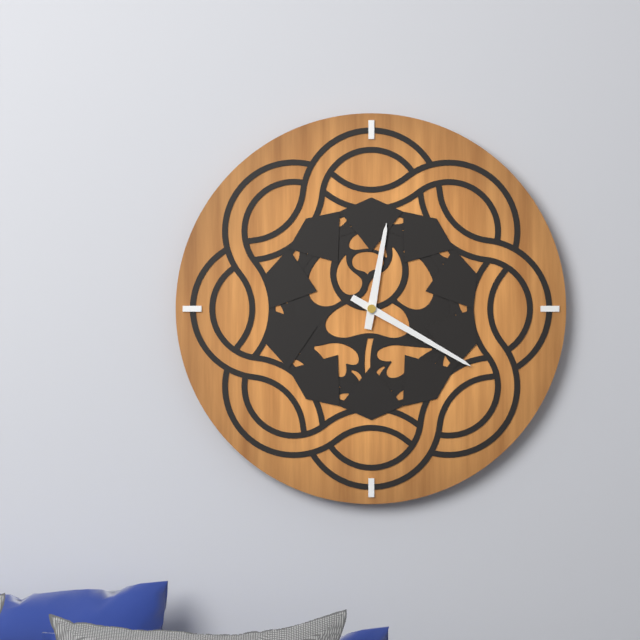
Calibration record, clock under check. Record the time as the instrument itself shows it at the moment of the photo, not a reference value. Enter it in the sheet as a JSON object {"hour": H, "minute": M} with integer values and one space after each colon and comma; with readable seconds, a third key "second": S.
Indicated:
{"hour": 12, "minute": 20}
